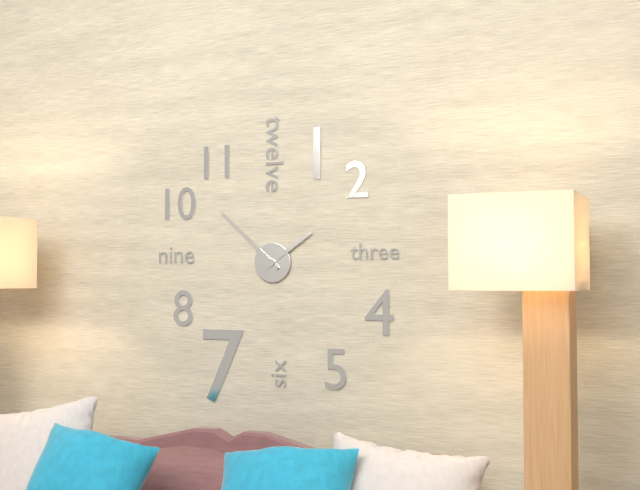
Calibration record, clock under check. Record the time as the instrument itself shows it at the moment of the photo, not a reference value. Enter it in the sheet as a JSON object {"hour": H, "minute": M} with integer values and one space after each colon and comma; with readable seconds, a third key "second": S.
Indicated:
{"hour": 1, "minute": 52}
